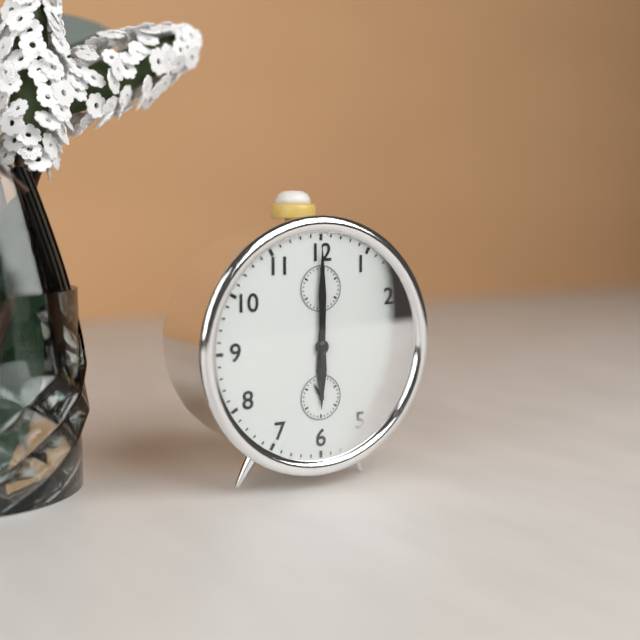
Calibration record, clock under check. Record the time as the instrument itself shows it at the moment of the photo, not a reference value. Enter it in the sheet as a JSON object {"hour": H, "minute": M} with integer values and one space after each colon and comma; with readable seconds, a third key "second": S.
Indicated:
{"hour": 6, "minute": 0}
